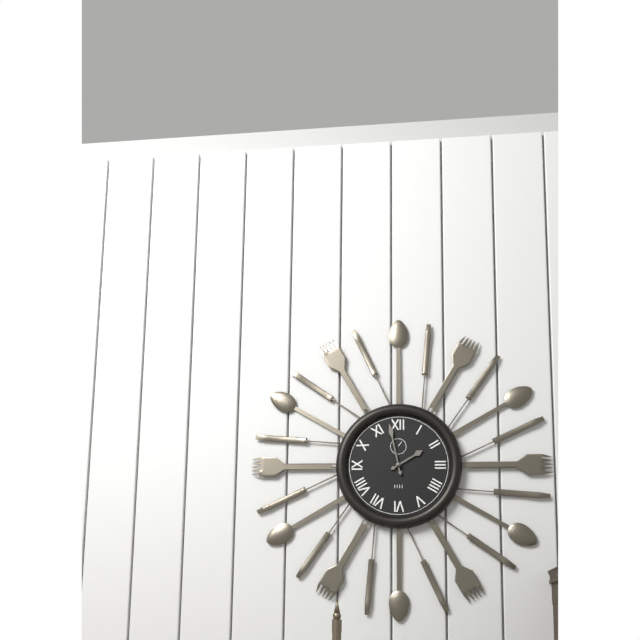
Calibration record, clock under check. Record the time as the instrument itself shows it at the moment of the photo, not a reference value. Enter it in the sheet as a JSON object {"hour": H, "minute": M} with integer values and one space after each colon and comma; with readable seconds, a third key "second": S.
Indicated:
{"hour": 1, "minute": 58}
